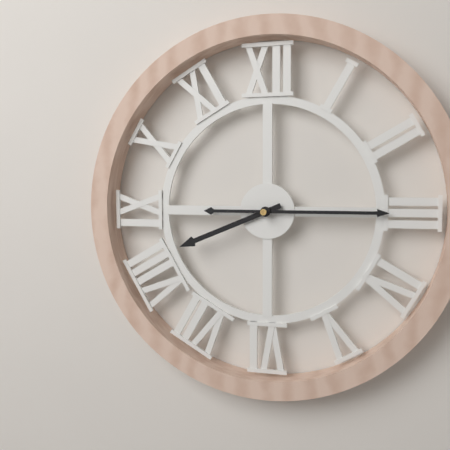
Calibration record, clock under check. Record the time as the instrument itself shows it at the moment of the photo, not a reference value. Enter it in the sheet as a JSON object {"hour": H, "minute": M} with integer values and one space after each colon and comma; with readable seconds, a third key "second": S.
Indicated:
{"hour": 8, "minute": 15}
